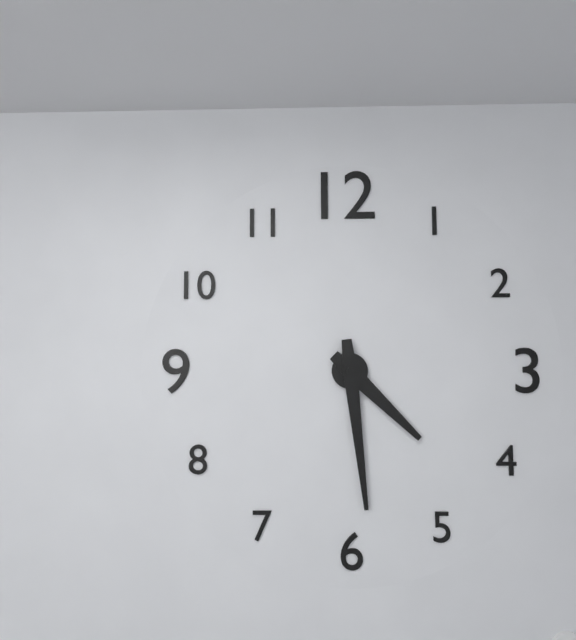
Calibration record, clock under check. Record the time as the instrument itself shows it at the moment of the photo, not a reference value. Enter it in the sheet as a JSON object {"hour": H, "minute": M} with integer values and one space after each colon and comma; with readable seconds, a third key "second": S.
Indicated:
{"hour": 4, "minute": 29}
